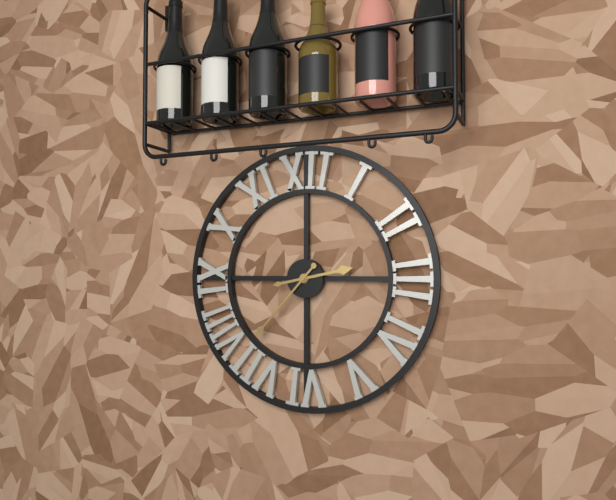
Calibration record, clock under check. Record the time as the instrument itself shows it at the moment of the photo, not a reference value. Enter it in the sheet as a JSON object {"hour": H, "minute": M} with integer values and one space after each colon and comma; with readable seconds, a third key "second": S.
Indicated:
{"hour": 2, "minute": 37}
